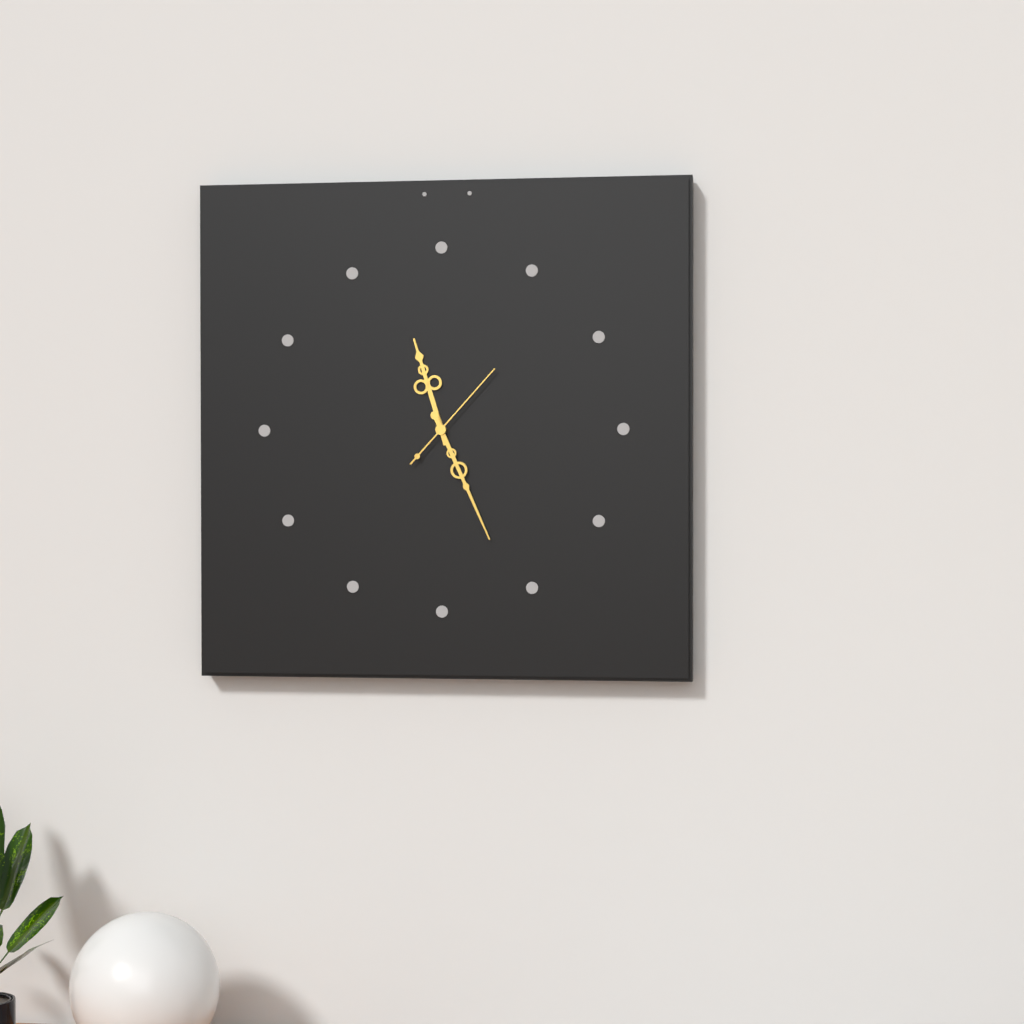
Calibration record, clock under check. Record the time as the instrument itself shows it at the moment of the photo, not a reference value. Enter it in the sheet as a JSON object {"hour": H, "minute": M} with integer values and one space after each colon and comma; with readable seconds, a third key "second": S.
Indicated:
{"hour": 11, "minute": 26, "second": 7}
